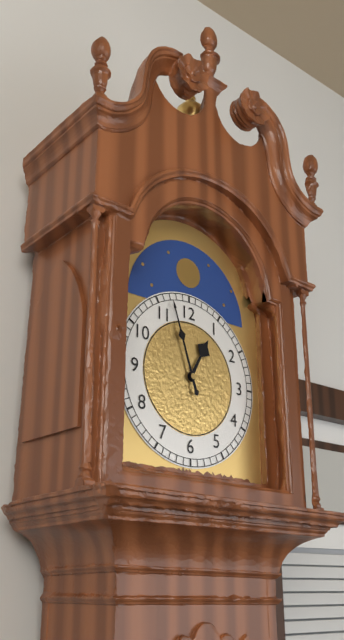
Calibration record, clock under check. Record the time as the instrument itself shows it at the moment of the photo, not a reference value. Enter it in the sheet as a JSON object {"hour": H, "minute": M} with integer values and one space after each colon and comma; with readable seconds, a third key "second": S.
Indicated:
{"hour": 12, "minute": 57}
